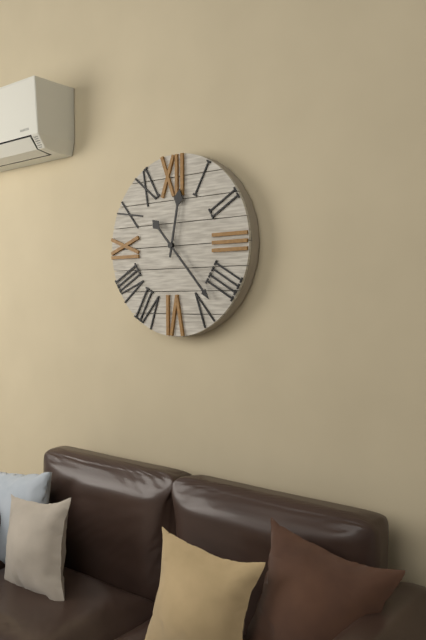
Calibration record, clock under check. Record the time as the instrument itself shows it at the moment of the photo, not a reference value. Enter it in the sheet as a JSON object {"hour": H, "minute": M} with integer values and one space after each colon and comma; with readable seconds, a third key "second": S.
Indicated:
{"hour": 12, "minute": 23}
